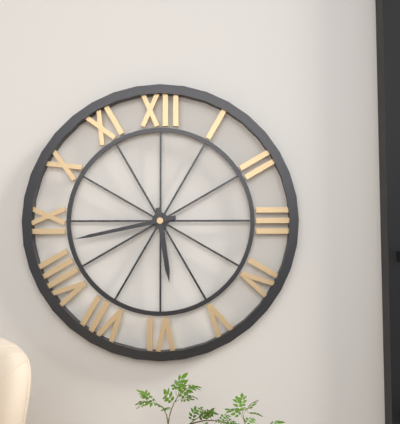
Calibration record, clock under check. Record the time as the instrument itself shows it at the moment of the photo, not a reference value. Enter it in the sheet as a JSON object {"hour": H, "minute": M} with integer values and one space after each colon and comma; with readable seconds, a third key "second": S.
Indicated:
{"hour": 5, "minute": 43}
